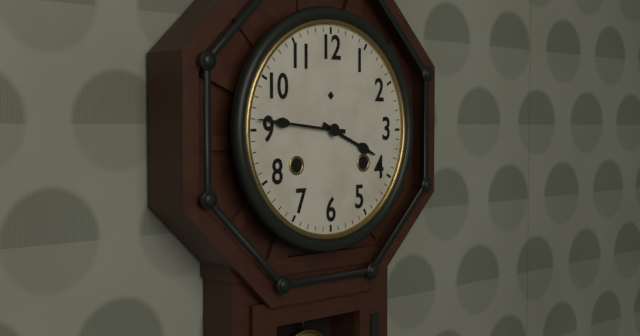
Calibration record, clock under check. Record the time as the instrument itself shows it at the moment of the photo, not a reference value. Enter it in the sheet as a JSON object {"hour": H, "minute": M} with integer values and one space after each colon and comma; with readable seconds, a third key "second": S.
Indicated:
{"hour": 3, "minute": 46}
